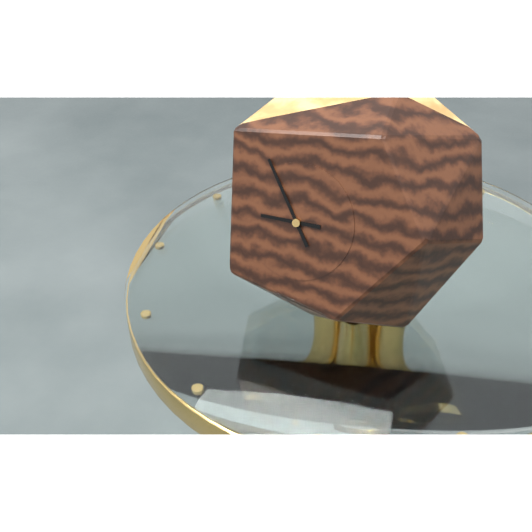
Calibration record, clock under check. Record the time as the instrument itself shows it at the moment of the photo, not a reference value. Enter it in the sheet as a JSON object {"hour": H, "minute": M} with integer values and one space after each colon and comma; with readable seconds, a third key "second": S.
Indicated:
{"hour": 8, "minute": 54}
